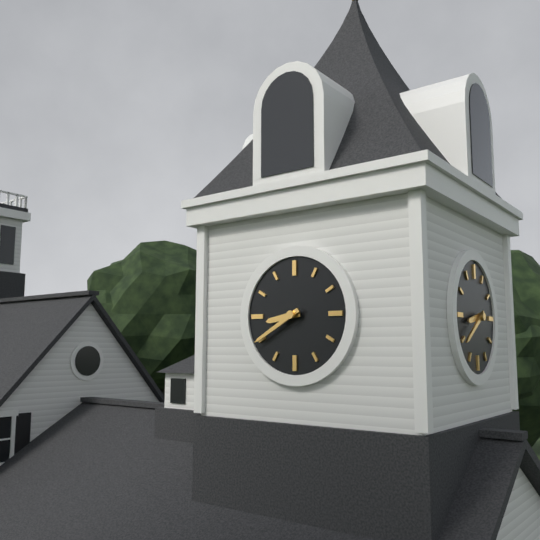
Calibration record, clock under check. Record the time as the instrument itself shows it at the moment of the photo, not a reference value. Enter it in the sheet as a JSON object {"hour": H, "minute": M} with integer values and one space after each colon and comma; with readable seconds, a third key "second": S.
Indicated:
{"hour": 8, "minute": 40}
